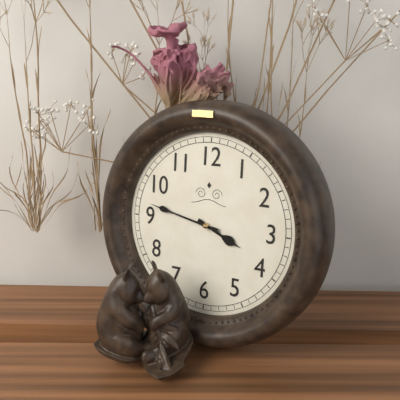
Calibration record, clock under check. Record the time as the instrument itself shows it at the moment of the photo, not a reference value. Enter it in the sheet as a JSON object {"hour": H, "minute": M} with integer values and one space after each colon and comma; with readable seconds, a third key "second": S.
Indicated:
{"hour": 3, "minute": 47}
